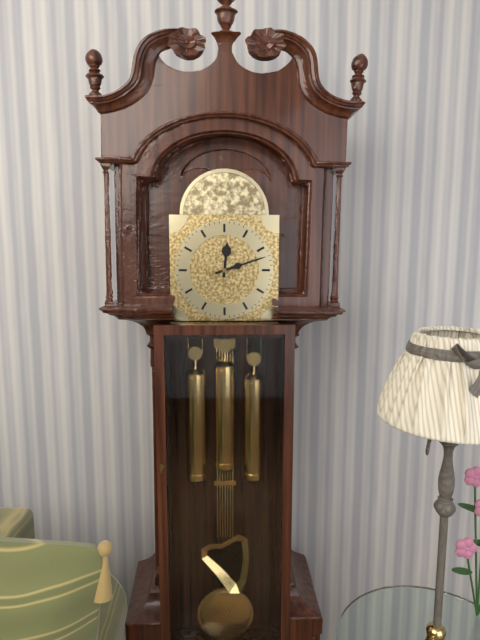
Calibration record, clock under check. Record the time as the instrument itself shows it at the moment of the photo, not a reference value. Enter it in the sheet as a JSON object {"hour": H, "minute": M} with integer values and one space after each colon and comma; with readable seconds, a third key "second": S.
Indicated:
{"hour": 12, "minute": 12}
